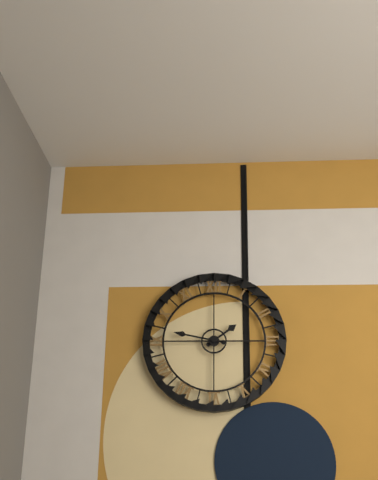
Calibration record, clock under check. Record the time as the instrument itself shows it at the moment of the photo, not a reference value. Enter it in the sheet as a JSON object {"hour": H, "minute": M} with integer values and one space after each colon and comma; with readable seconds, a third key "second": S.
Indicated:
{"hour": 1, "minute": 47}
